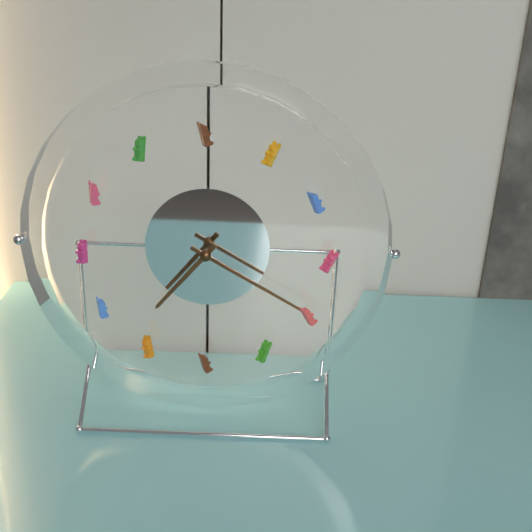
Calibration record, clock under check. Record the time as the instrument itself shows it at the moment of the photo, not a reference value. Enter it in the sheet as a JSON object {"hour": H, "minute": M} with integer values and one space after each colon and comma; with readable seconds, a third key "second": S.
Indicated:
{"hour": 7, "minute": 20}
